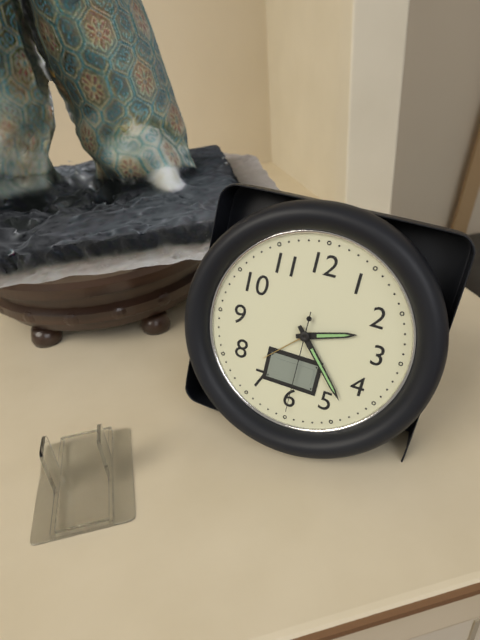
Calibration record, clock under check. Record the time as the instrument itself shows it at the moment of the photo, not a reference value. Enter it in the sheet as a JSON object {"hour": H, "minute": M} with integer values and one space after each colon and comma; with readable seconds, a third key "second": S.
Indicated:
{"hour": 2, "minute": 23, "second": 30}
